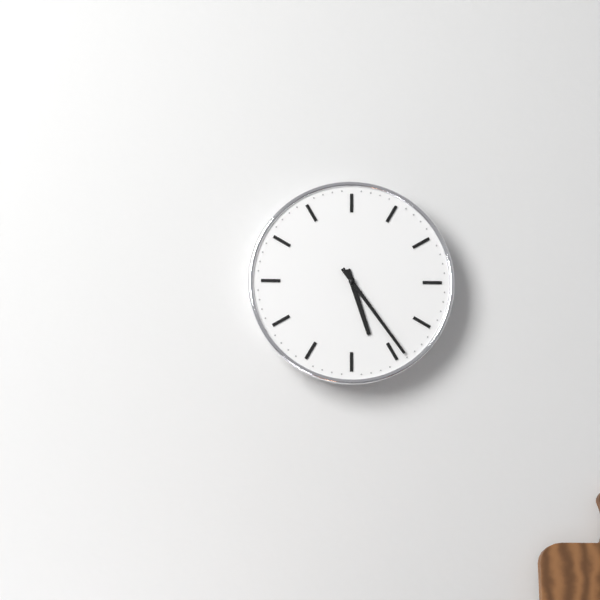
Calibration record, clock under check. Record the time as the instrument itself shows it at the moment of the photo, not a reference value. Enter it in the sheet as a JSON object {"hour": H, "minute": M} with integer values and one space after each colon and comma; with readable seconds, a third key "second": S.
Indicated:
{"hour": 5, "minute": 24}
